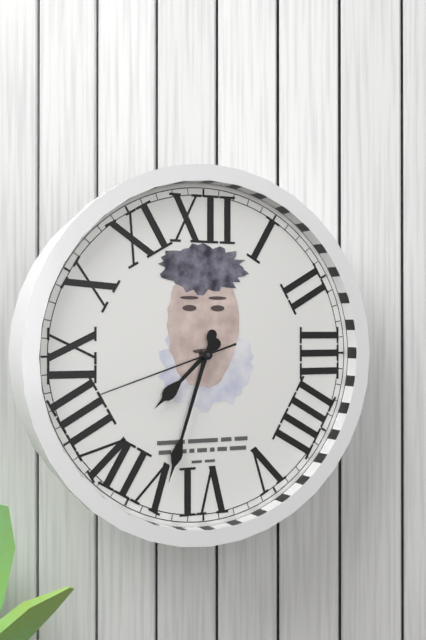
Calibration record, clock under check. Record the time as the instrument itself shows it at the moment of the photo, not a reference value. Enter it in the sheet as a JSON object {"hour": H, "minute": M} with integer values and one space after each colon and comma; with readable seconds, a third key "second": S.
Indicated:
{"hour": 7, "minute": 33, "second": 42}
